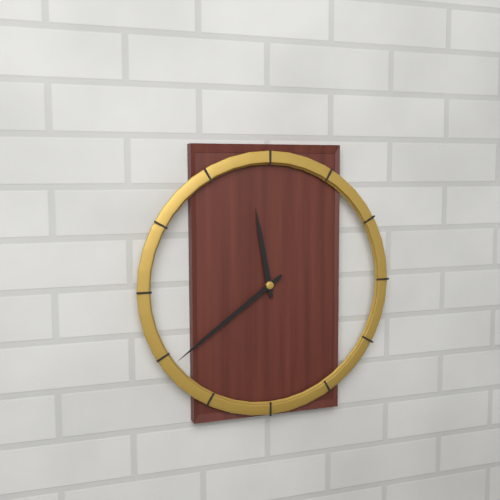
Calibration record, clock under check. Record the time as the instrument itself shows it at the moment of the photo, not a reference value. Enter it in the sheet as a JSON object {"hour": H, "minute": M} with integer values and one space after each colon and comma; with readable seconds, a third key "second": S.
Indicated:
{"hour": 11, "minute": 39}
